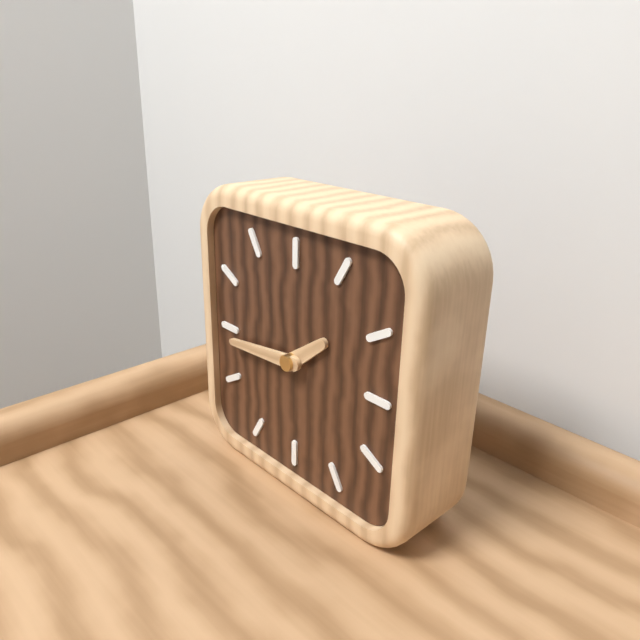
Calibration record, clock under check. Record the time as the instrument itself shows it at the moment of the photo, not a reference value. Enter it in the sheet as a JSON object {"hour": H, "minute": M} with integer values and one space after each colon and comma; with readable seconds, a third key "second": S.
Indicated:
{"hour": 1, "minute": 44}
